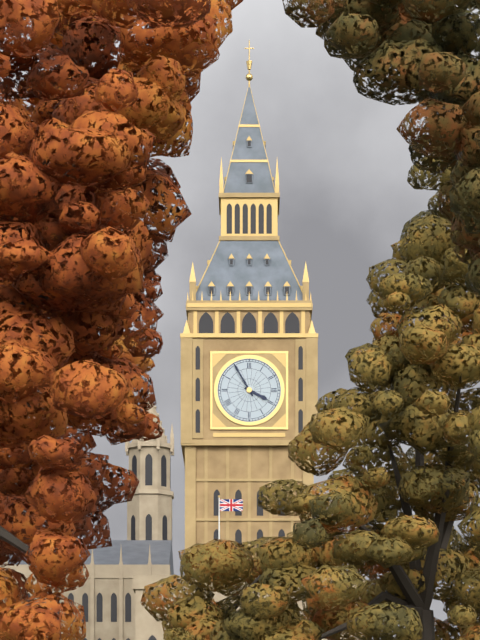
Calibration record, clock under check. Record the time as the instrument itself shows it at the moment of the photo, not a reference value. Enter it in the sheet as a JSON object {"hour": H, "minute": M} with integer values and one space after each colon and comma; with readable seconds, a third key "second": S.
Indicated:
{"hour": 3, "minute": 55}
